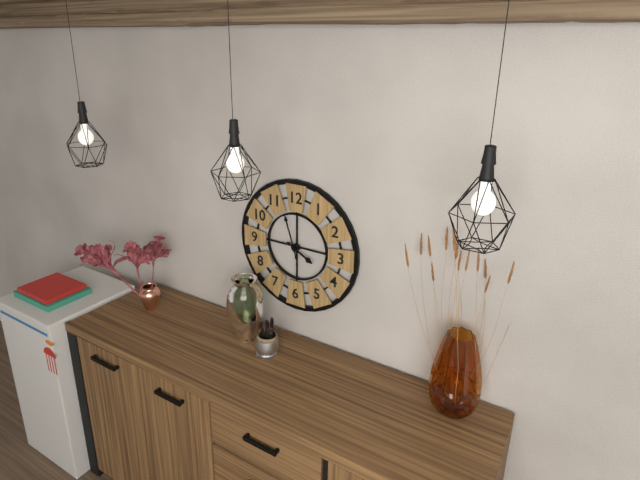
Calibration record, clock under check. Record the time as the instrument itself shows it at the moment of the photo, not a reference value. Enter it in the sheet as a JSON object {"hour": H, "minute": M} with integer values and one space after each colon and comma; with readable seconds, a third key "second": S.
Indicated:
{"hour": 3, "minute": 57}
